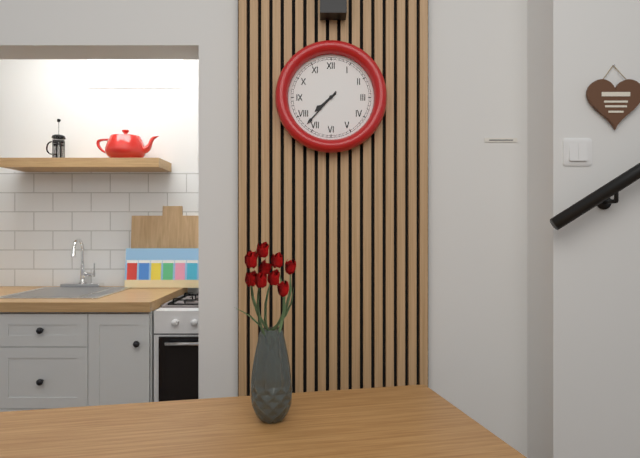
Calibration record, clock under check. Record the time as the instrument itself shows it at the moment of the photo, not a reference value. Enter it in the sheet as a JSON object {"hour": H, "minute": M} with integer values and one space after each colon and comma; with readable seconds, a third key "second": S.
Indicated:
{"hour": 7, "minute": 37}
